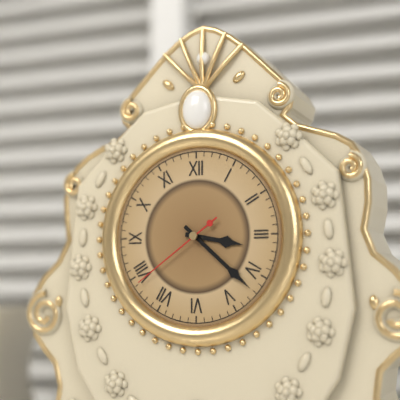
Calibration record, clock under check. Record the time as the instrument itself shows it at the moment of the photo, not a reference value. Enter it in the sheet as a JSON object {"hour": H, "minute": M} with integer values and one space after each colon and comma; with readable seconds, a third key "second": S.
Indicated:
{"hour": 3, "minute": 22, "second": 39}
